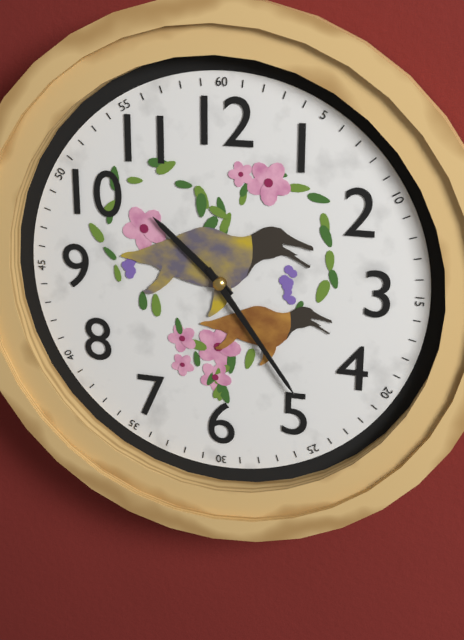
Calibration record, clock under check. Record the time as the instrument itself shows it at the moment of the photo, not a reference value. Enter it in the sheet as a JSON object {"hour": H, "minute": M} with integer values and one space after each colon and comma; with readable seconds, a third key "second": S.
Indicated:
{"hour": 10, "minute": 24}
